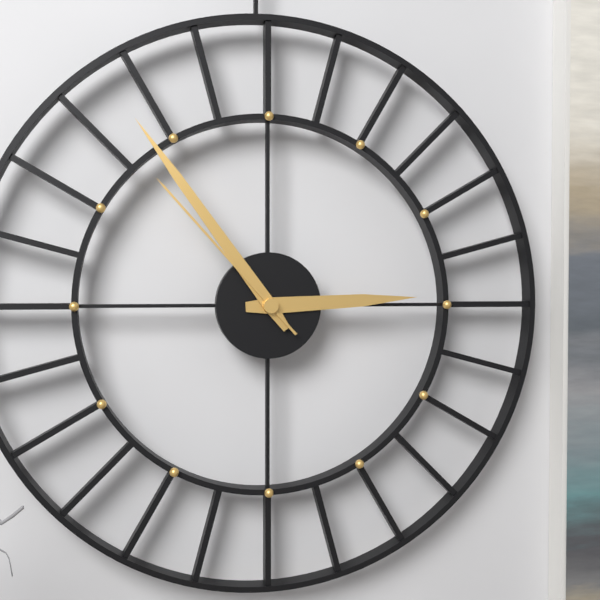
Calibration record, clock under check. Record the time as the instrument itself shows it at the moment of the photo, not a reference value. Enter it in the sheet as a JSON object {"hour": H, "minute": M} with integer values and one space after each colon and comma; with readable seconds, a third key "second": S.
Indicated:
{"hour": 2, "minute": 54, "second": 53}
